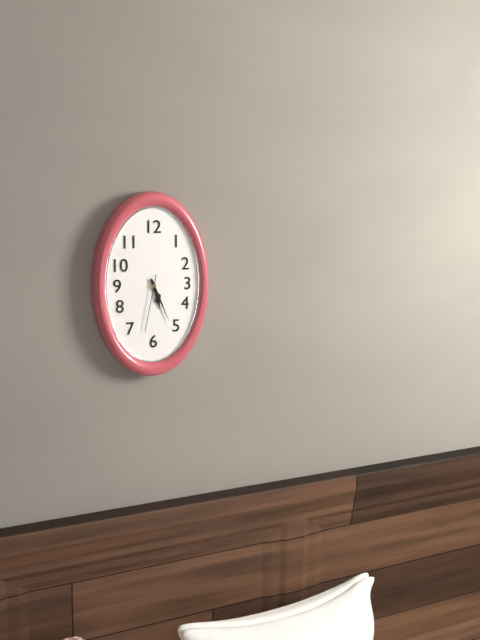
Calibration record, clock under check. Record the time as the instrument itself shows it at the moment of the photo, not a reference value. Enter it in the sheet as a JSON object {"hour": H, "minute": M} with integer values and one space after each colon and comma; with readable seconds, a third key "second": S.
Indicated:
{"hour": 5, "minute": 26, "second": 32}
